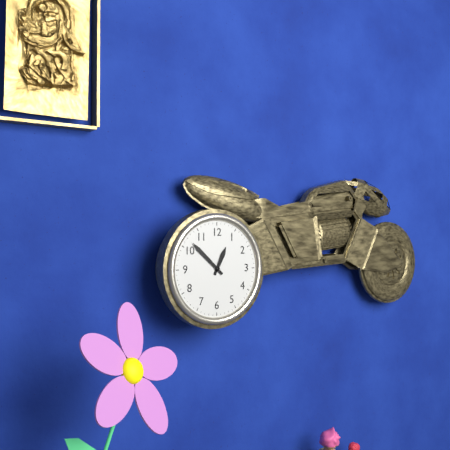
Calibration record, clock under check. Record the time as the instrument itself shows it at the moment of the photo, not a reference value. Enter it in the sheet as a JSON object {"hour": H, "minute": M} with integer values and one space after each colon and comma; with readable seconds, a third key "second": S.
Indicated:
{"hour": 12, "minute": 52}
